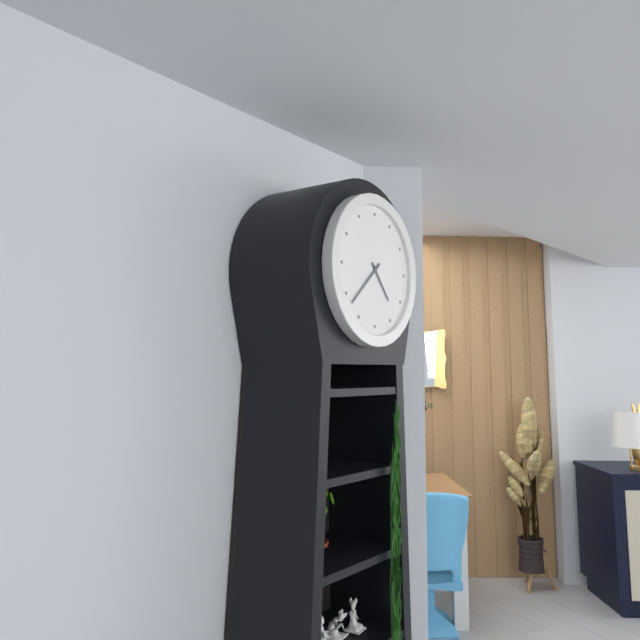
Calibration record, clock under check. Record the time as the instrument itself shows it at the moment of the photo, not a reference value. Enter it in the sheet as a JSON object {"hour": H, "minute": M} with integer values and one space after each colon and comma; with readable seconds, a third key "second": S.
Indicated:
{"hour": 4, "minute": 38}
